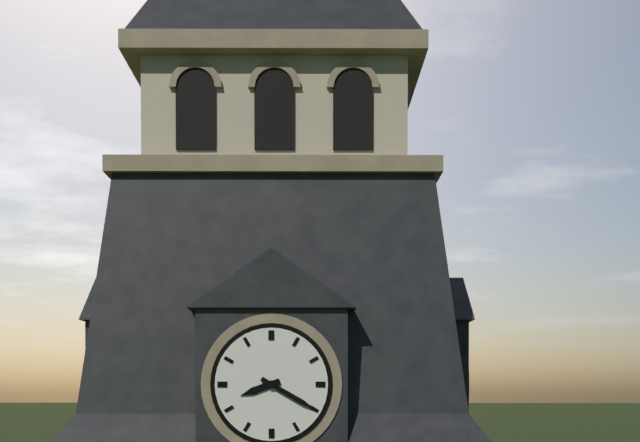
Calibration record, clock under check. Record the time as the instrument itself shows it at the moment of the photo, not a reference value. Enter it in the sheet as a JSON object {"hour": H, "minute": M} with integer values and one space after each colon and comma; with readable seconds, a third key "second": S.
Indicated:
{"hour": 8, "minute": 20}
